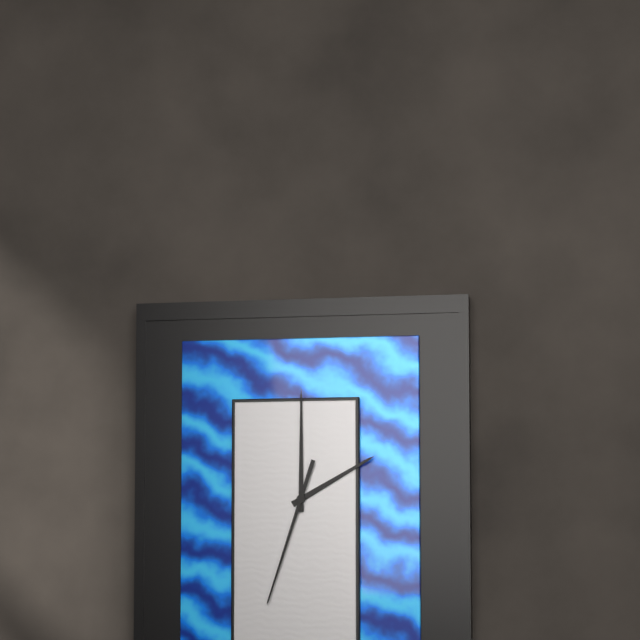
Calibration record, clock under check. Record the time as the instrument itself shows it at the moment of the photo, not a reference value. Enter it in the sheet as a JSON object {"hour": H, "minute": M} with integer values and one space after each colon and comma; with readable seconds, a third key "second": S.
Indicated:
{"hour": 2, "minute": 0, "second": 33}
